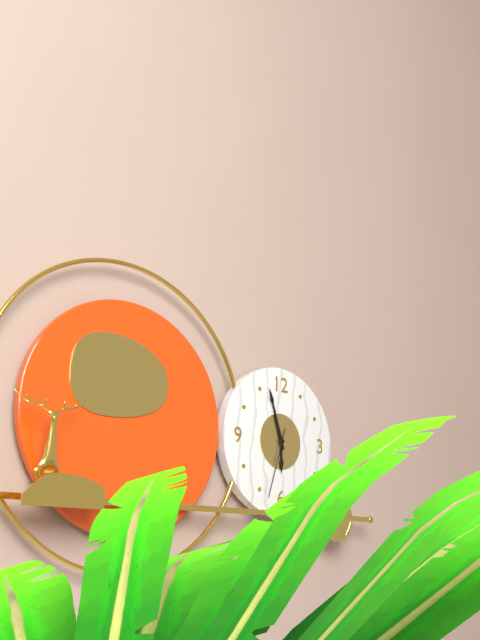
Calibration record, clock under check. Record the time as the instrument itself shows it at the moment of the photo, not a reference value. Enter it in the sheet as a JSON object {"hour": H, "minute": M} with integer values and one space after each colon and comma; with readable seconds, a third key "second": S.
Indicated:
{"hour": 5, "minute": 57, "second": 33}
